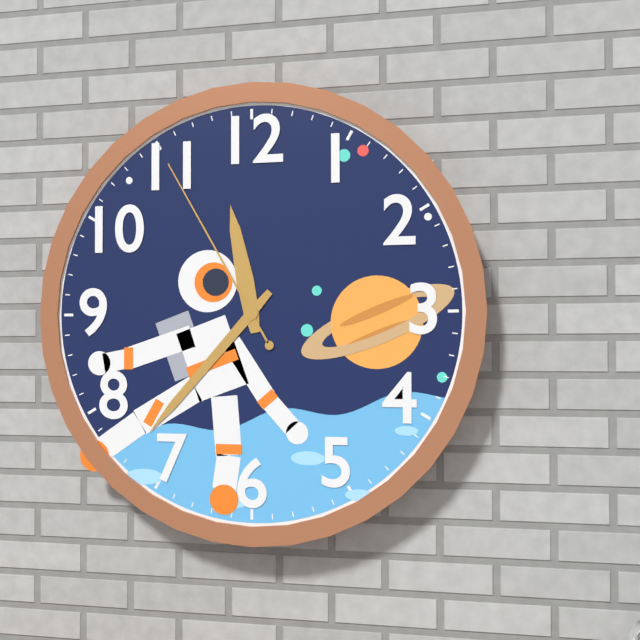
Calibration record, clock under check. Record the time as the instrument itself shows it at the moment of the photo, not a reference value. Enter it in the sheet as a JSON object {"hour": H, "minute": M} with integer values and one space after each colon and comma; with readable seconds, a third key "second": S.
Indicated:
{"hour": 11, "minute": 37, "second": 55}
